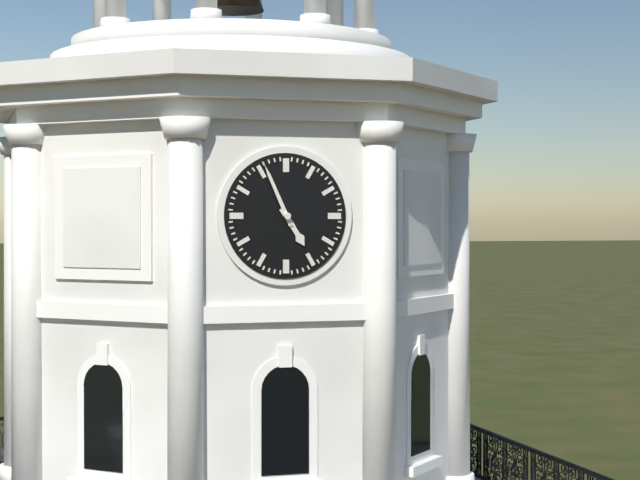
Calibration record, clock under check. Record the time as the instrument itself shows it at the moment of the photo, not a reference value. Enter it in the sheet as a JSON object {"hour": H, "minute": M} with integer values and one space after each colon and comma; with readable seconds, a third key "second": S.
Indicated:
{"hour": 4, "minute": 56}
